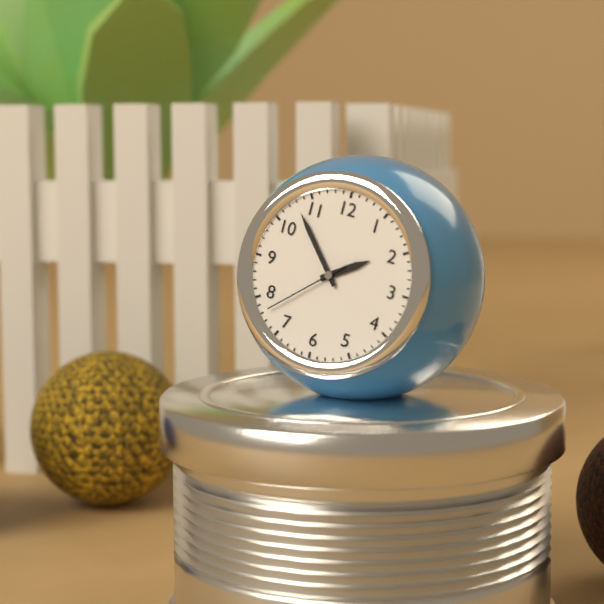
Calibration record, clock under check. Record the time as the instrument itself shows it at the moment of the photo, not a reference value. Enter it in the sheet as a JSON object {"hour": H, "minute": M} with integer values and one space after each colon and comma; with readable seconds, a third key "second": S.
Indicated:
{"hour": 1, "minute": 53, "second": 38}
